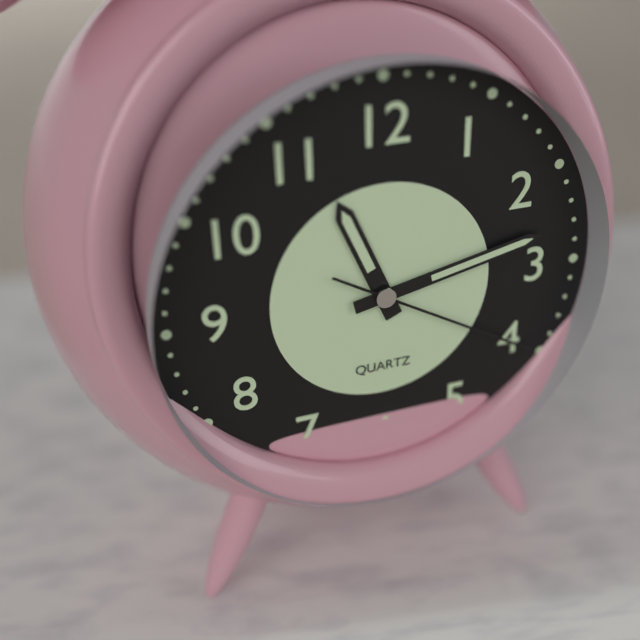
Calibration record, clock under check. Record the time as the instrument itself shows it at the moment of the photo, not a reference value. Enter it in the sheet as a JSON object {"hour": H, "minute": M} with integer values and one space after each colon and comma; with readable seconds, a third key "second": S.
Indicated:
{"hour": 11, "minute": 13, "second": 20}
